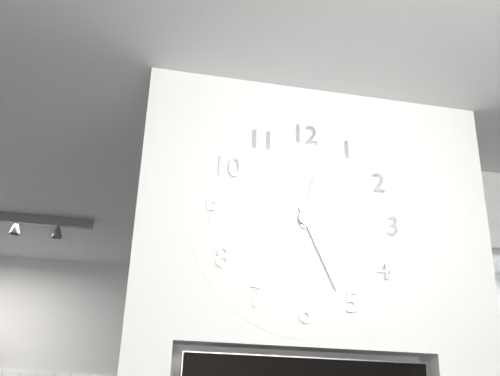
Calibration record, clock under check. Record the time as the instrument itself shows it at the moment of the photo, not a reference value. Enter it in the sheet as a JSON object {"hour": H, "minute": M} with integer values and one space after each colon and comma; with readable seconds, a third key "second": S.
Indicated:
{"hour": 12, "minute": 26}
